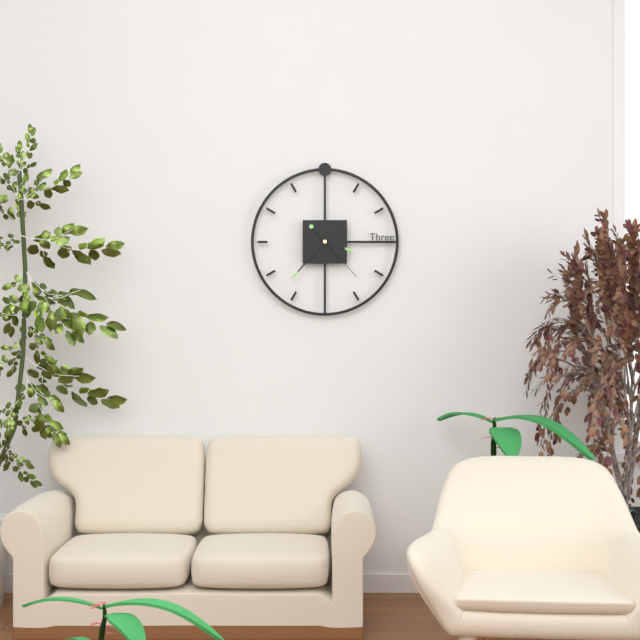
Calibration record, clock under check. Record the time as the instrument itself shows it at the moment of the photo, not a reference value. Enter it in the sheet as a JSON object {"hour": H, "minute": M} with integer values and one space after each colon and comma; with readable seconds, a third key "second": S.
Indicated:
{"hour": 3, "minute": 37, "second": 23}
